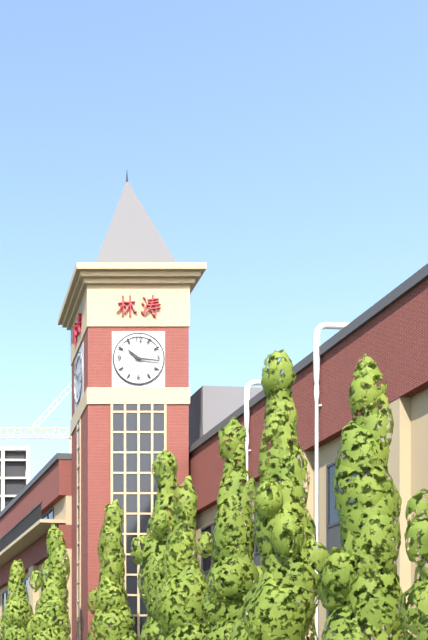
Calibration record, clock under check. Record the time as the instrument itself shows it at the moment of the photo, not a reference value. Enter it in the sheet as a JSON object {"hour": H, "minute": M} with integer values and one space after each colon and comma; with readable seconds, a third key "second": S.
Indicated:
{"hour": 10, "minute": 16}
